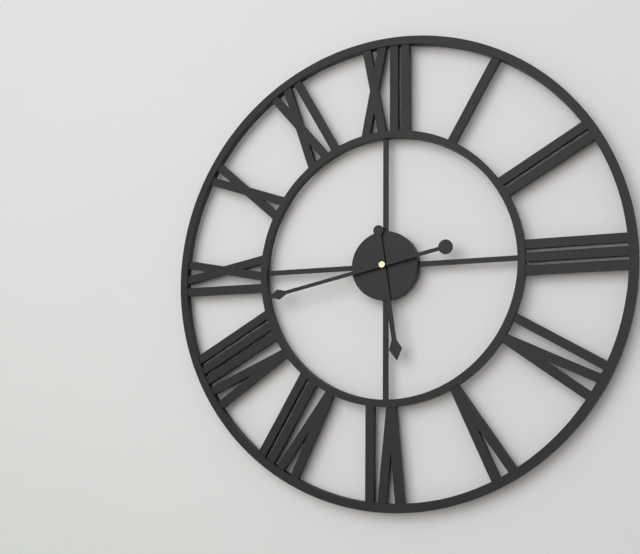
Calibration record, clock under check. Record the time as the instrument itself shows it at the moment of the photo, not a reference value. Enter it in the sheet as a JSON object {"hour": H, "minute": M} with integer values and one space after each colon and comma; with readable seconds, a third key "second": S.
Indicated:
{"hour": 5, "minute": 43}
